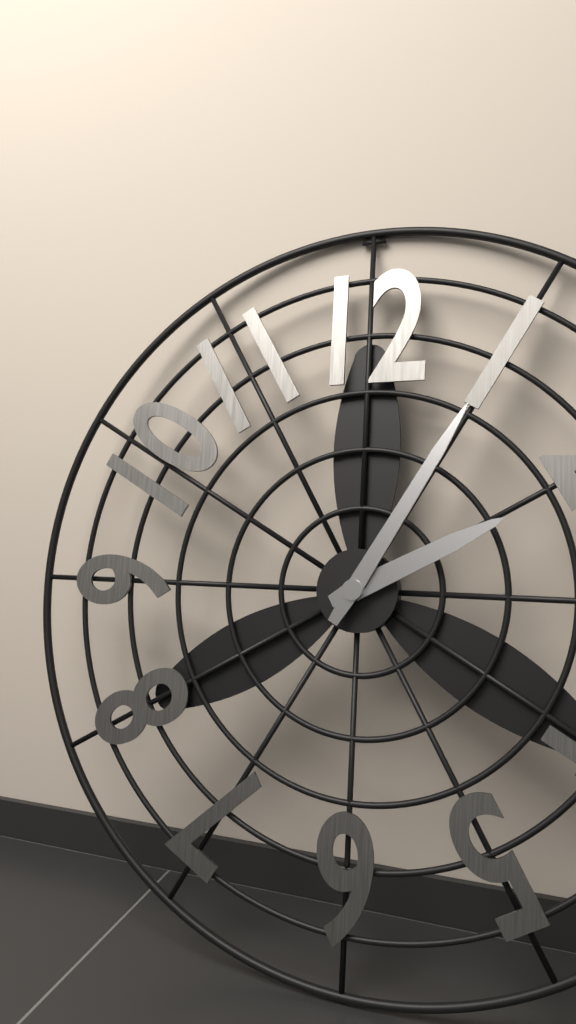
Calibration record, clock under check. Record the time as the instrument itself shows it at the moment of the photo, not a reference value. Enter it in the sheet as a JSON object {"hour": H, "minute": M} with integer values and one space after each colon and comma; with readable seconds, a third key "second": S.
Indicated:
{"hour": 2, "minute": 5}
